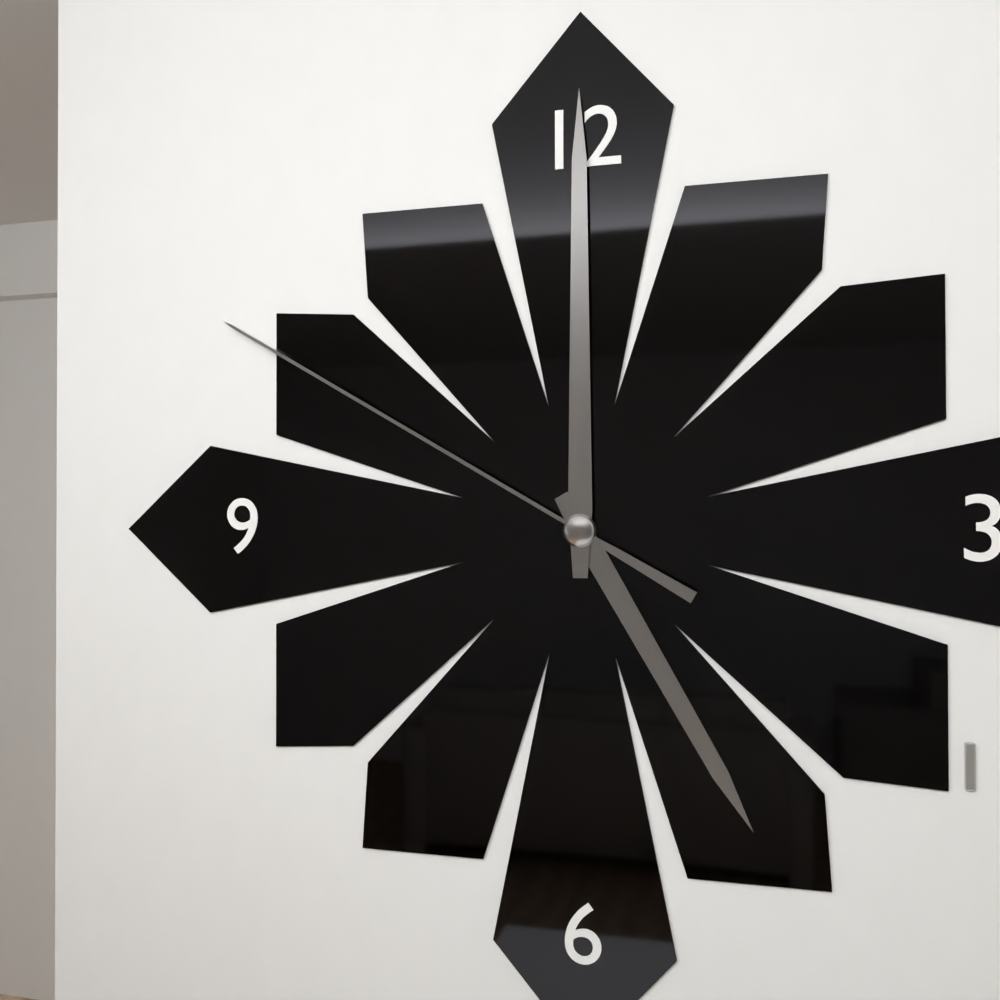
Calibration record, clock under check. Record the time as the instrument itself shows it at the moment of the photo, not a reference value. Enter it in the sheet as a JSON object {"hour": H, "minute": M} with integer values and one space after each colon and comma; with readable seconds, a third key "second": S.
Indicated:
{"hour": 5, "minute": 0, "second": 50}
